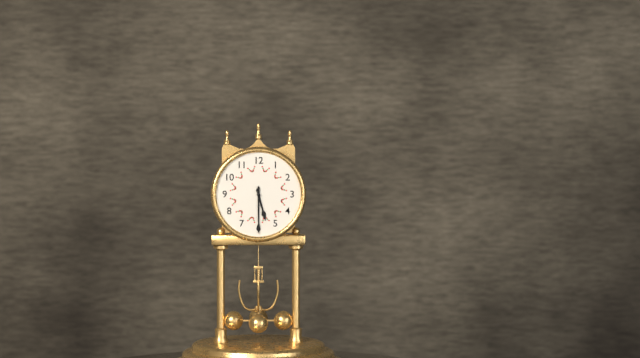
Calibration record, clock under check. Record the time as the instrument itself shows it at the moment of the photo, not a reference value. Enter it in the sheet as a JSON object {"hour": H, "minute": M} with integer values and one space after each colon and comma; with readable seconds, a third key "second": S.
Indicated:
{"hour": 5, "minute": 30}
